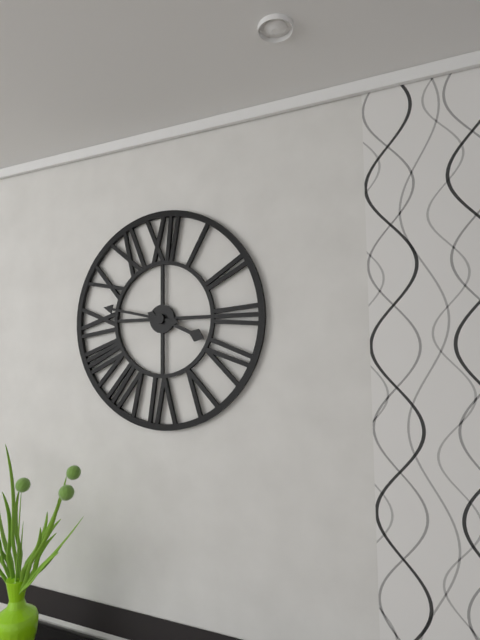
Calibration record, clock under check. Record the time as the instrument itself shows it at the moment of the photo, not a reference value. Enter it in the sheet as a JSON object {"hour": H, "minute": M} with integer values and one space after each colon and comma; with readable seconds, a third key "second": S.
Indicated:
{"hour": 3, "minute": 47}
